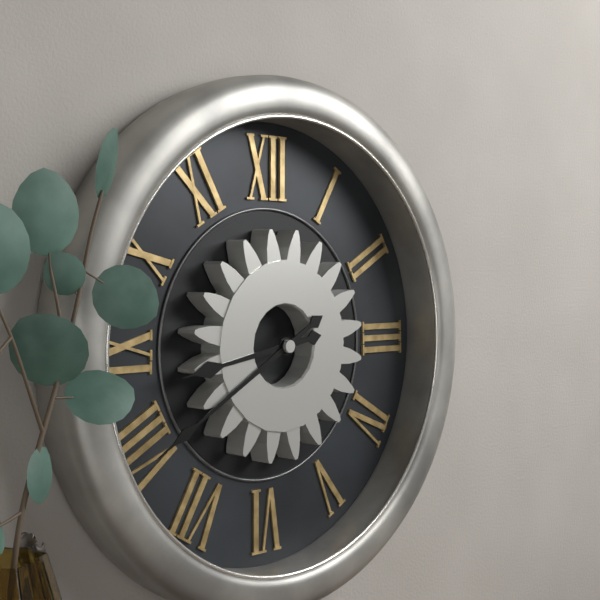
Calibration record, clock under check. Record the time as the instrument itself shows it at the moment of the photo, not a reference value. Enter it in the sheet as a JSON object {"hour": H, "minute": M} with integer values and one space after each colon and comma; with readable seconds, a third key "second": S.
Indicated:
{"hour": 8, "minute": 40}
